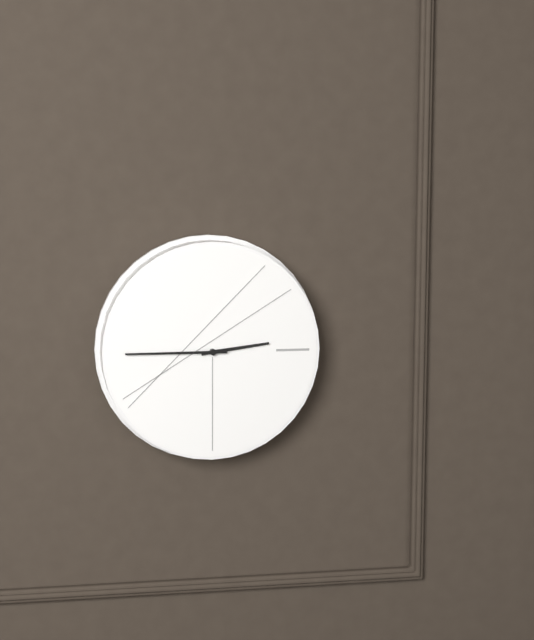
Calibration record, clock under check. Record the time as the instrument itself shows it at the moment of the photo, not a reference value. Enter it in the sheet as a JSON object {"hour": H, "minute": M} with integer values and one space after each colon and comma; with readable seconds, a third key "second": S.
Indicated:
{"hour": 2, "minute": 45}
